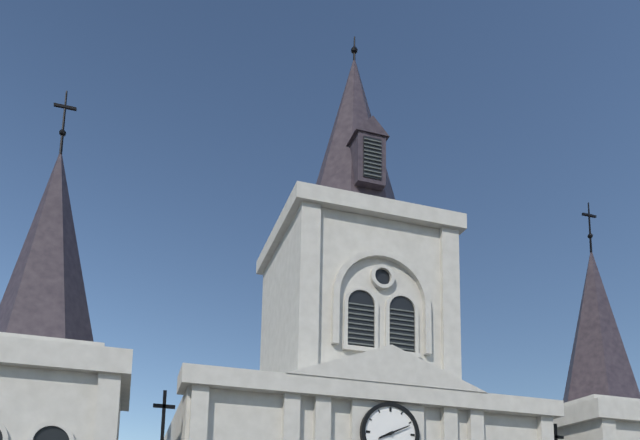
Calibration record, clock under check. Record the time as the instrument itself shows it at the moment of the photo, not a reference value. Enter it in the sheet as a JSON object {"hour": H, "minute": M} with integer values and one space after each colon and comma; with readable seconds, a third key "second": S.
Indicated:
{"hour": 8, "minute": 11}
